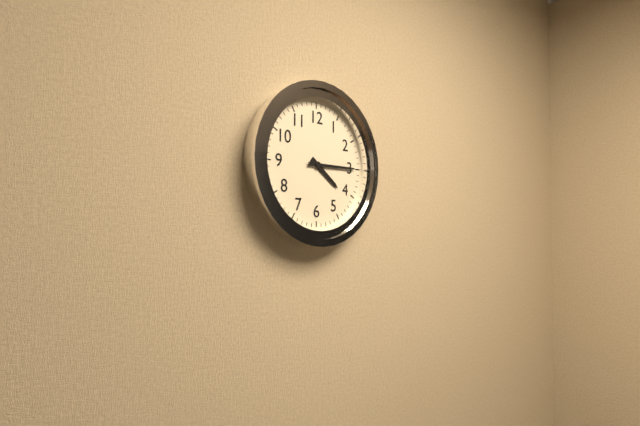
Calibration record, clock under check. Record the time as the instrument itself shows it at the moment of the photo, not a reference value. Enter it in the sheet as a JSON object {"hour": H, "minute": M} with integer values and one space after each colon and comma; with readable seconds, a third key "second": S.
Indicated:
{"hour": 4, "minute": 15}
